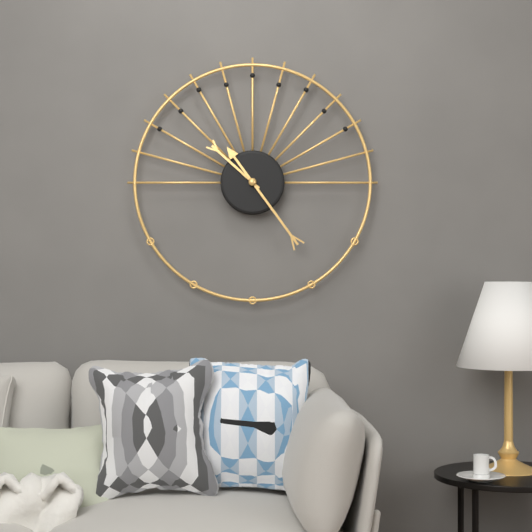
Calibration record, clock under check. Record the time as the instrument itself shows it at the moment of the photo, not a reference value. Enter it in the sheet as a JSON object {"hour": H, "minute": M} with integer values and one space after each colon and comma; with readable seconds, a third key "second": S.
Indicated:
{"hour": 10, "minute": 24}
